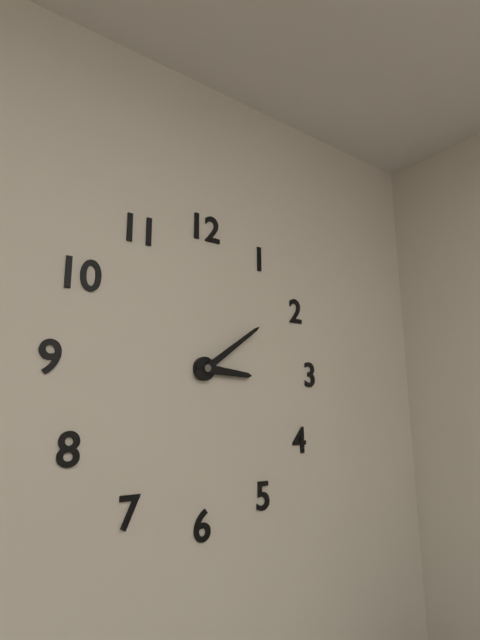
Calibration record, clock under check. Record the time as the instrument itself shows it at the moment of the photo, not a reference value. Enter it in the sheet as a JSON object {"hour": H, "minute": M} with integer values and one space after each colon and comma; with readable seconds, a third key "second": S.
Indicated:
{"hour": 3, "minute": 9}
